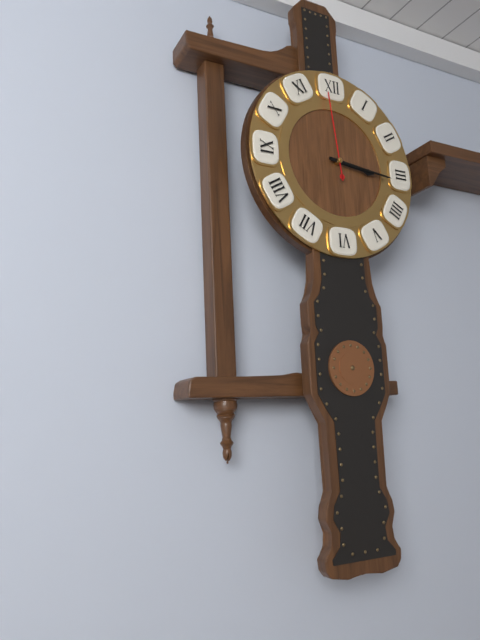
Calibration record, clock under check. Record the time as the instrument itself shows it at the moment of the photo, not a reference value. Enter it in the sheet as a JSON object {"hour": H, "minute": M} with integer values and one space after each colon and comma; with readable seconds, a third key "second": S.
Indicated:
{"hour": 3, "minute": 16, "second": 59}
